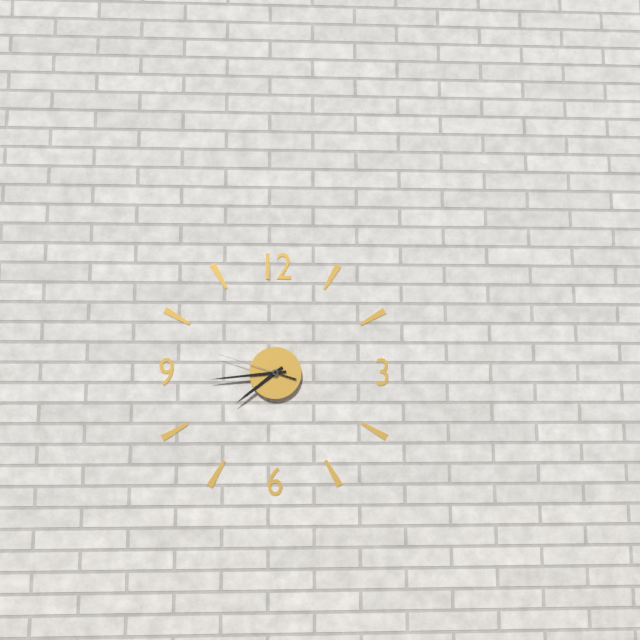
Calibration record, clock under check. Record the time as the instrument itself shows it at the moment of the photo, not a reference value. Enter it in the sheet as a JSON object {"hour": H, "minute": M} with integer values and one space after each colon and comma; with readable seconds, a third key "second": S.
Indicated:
{"hour": 7, "minute": 44, "second": 48}
